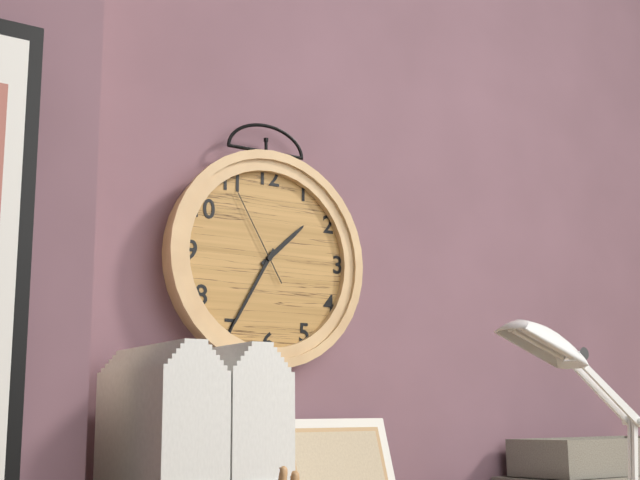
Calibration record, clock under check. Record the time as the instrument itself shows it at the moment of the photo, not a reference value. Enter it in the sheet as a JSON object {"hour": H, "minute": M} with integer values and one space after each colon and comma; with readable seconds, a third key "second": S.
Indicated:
{"hour": 1, "minute": 35, "second": 55}
